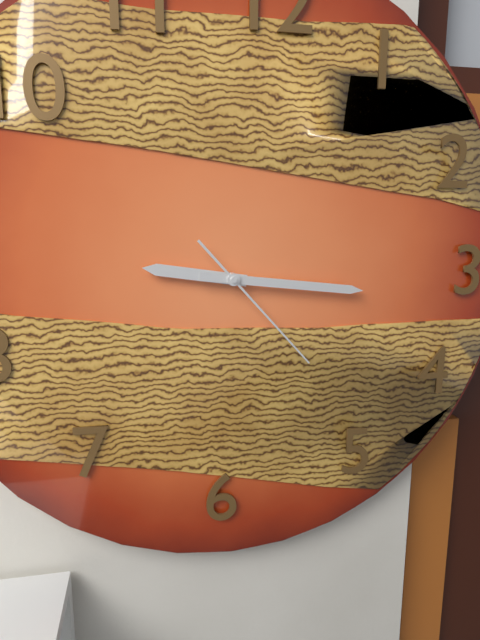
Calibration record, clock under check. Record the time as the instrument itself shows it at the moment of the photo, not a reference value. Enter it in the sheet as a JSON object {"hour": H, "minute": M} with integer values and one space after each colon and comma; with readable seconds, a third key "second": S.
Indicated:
{"hour": 9, "minute": 16, "second": 23}
